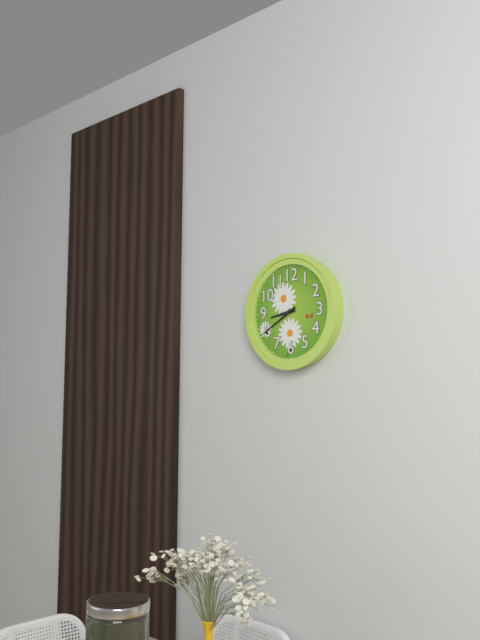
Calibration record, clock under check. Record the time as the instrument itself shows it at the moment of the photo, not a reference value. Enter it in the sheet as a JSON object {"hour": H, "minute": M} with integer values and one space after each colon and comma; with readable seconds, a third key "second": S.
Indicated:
{"hour": 8, "minute": 40}
